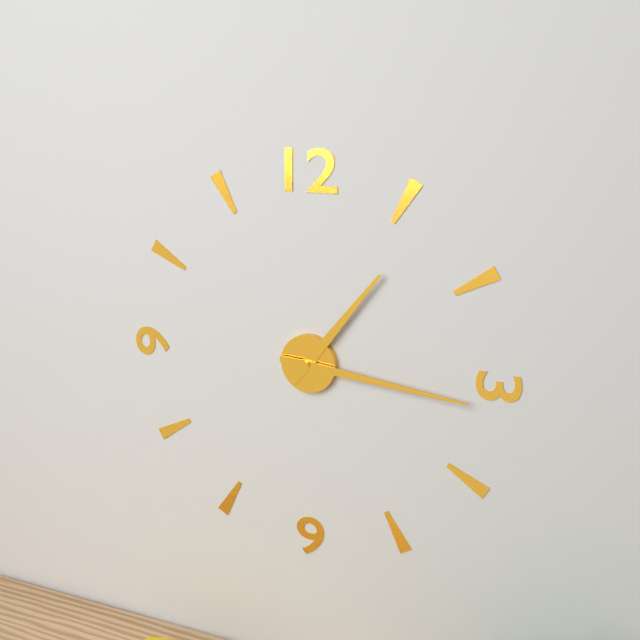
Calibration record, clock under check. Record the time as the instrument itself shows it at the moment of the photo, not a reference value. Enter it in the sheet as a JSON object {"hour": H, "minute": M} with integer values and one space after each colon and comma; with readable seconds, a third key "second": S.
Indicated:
{"hour": 1, "minute": 16}
